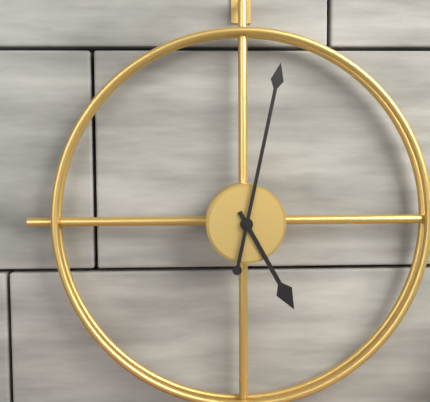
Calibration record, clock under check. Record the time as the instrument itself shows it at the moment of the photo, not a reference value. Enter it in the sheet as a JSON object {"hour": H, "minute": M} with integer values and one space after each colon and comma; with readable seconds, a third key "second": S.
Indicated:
{"hour": 5, "minute": 2}
